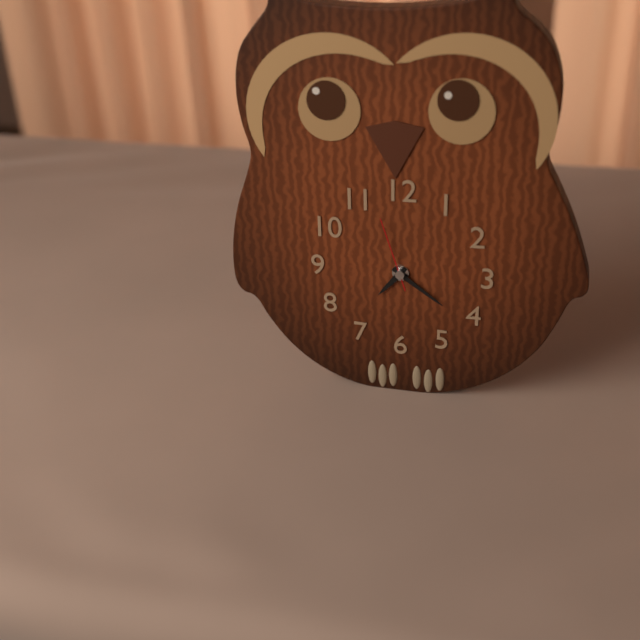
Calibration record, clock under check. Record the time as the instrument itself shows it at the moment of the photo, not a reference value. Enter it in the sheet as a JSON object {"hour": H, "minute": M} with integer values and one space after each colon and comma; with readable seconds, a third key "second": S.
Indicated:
{"hour": 7, "minute": 21, "second": 57}
